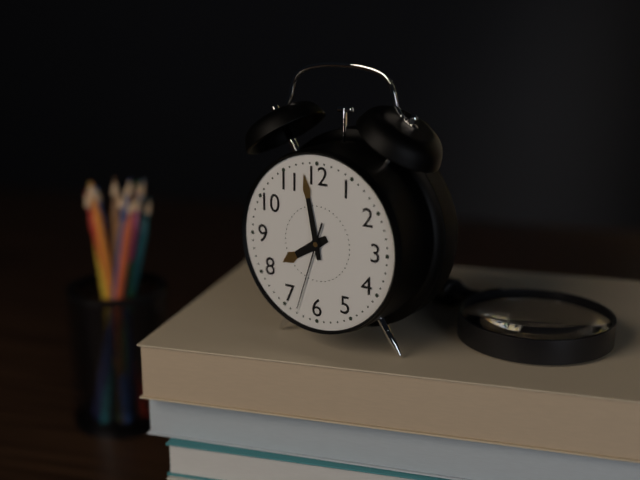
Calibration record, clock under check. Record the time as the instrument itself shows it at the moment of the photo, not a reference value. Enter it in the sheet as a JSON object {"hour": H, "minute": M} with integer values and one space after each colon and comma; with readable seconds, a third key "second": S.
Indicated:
{"hour": 7, "minute": 58, "second": 33}
